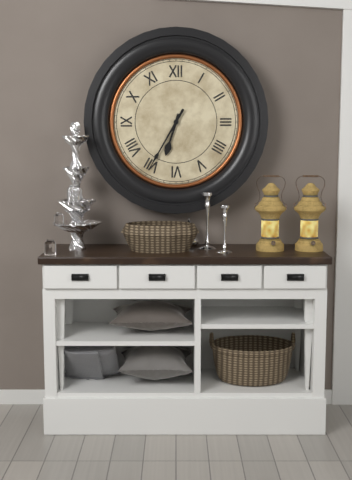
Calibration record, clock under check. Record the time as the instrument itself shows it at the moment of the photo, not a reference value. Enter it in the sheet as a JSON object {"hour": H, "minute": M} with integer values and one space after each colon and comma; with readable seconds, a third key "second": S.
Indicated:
{"hour": 6, "minute": 35}
